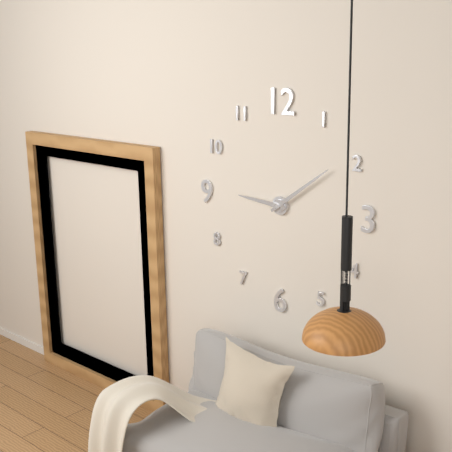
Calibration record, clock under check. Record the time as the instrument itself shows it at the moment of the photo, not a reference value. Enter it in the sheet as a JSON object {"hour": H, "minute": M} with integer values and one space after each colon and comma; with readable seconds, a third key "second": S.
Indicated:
{"hour": 9, "minute": 9}
